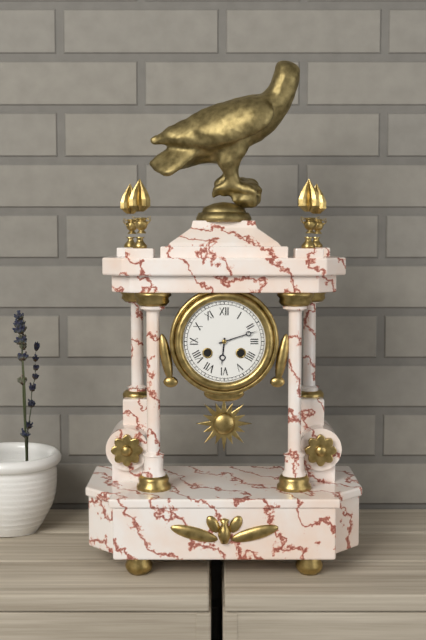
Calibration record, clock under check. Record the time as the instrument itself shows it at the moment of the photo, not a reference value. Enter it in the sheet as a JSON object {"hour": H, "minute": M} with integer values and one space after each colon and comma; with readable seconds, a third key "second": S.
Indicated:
{"hour": 6, "minute": 12}
